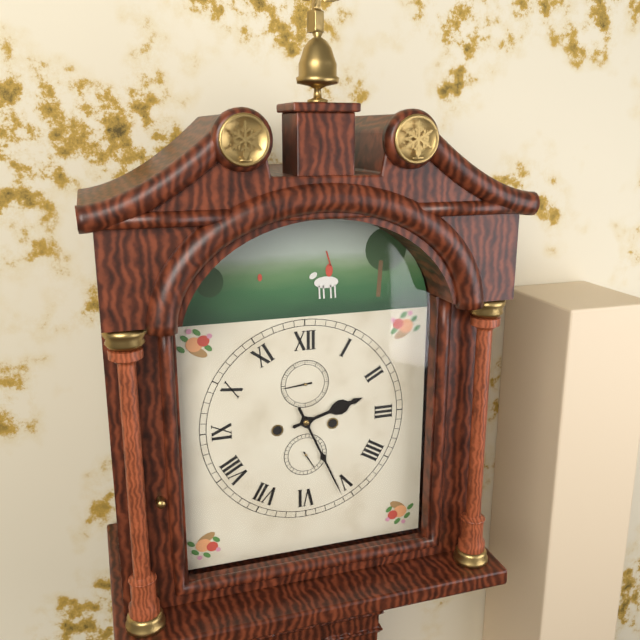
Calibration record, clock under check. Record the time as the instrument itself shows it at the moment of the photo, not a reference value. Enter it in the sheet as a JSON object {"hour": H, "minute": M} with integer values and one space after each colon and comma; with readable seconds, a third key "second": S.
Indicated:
{"hour": 2, "minute": 26}
